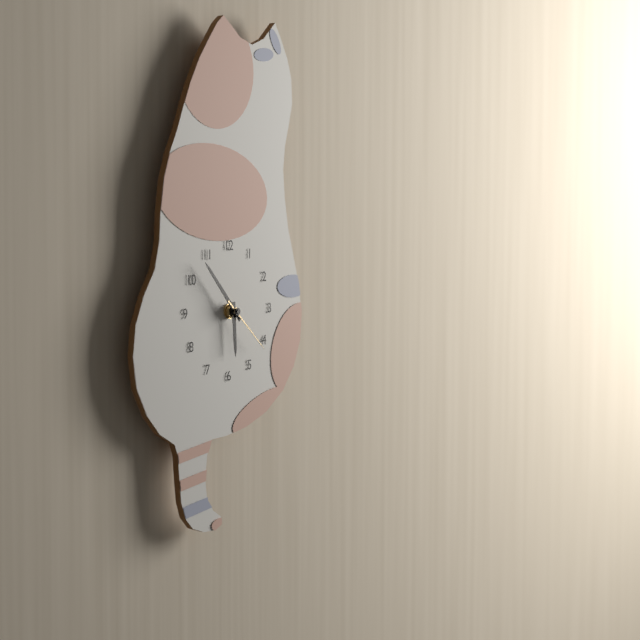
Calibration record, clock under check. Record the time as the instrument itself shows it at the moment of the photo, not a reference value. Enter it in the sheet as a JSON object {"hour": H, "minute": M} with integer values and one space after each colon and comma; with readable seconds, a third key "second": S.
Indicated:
{"hour": 5, "minute": 53, "second": 22}
